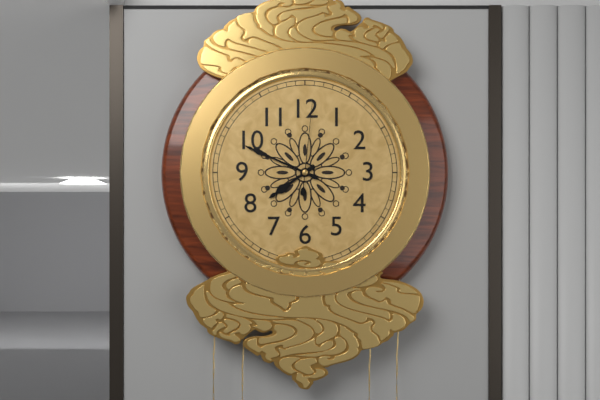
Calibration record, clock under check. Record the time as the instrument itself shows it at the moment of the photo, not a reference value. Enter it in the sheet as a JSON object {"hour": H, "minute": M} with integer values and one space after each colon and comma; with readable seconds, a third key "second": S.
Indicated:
{"hour": 7, "minute": 49, "second": 1}
